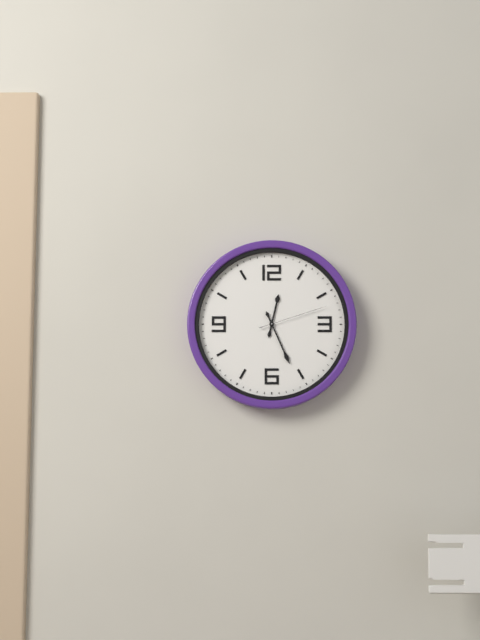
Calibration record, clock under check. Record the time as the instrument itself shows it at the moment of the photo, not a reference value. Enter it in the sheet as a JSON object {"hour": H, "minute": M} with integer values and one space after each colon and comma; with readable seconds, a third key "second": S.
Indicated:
{"hour": 12, "minute": 26, "second": 12}
